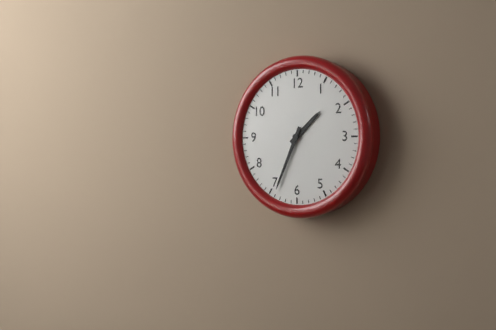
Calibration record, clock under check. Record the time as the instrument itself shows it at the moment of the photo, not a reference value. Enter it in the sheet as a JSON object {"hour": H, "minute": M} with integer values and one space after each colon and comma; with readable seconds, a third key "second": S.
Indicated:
{"hour": 1, "minute": 34}
